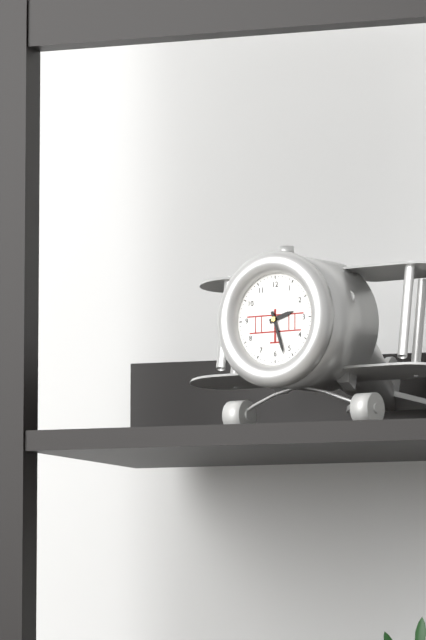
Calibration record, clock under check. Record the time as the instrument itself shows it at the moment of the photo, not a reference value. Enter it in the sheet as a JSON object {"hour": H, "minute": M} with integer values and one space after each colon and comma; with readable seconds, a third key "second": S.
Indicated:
{"hour": 2, "minute": 27}
